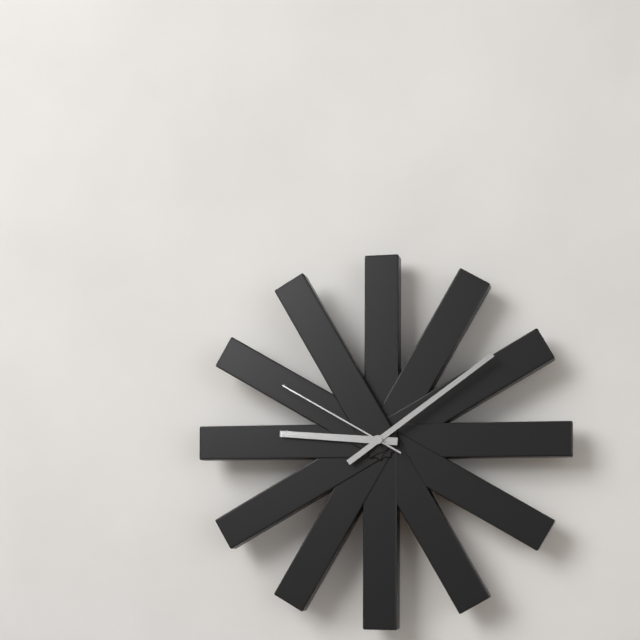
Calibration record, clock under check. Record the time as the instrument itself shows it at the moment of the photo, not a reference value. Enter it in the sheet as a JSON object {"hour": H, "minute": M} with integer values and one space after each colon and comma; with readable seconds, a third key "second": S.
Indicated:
{"hour": 9, "minute": 9, "second": 50}
